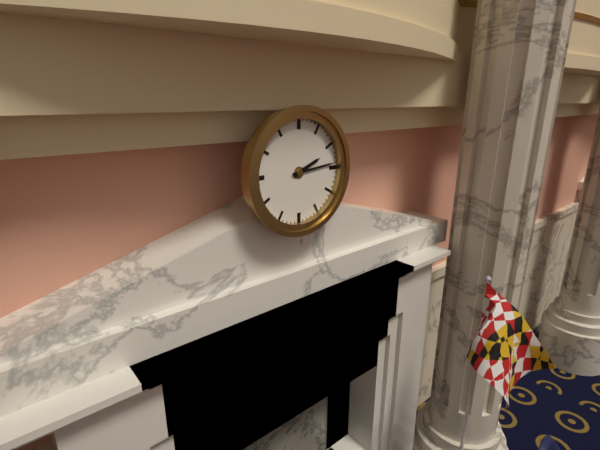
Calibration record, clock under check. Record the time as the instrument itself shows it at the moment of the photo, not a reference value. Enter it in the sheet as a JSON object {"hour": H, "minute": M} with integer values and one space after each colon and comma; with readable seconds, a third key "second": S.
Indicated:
{"hour": 2, "minute": 14}
